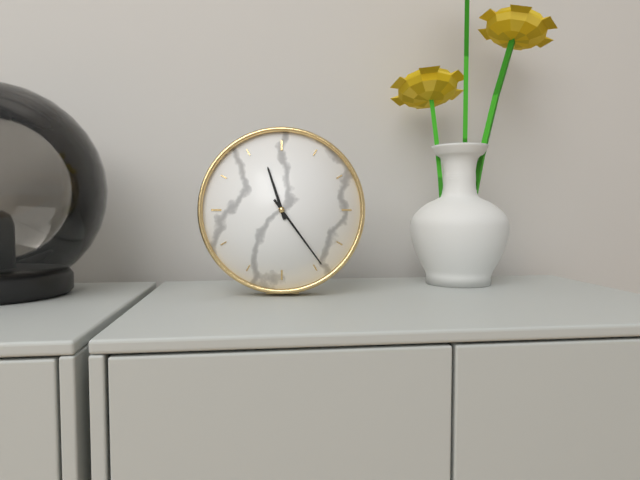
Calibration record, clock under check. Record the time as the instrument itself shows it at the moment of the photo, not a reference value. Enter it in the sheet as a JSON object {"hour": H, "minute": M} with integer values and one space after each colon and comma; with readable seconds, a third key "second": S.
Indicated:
{"hour": 11, "minute": 24}
